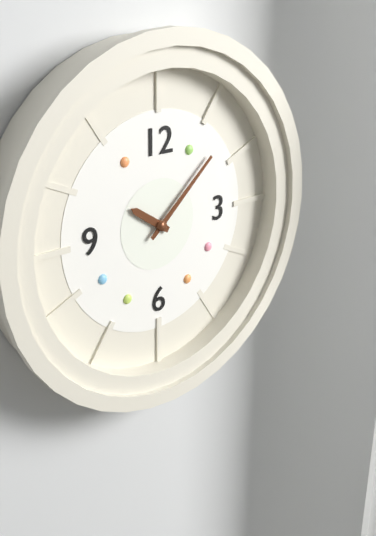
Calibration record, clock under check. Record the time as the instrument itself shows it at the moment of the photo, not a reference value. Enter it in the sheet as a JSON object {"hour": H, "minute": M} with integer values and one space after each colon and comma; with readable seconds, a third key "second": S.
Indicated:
{"hour": 10, "minute": 8}
